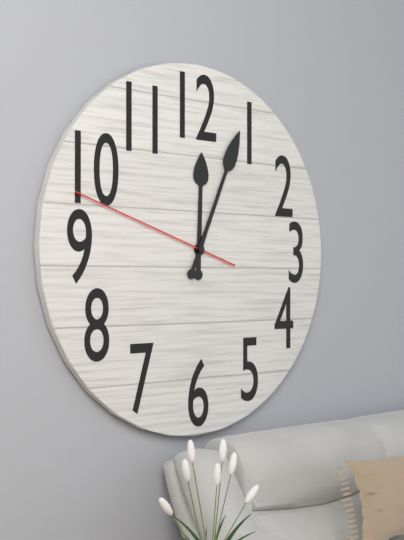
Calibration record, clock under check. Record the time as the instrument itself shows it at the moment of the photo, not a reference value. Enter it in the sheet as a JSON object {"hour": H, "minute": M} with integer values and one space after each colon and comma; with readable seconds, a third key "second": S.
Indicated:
{"hour": 12, "minute": 4, "second": 48}
